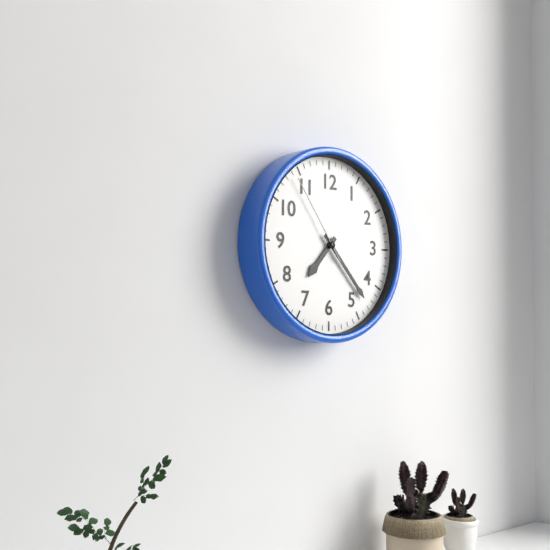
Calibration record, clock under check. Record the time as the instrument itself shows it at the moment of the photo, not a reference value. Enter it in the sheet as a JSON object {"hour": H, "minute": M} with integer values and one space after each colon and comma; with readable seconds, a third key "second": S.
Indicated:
{"hour": 7, "minute": 23, "second": 54}
